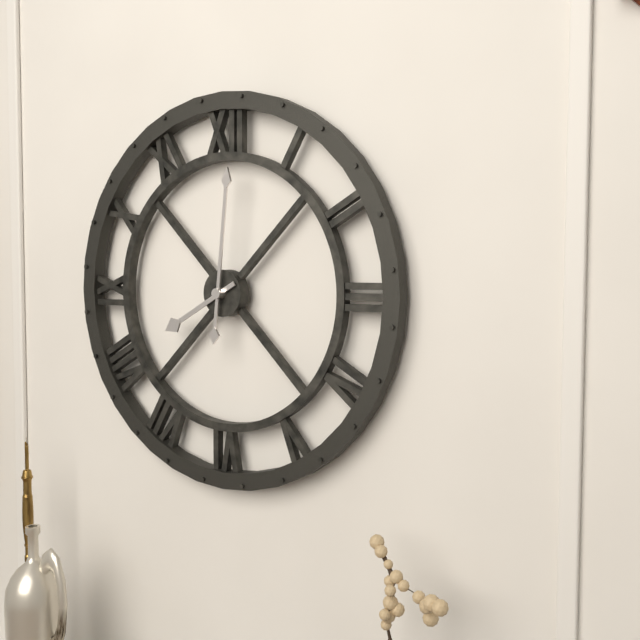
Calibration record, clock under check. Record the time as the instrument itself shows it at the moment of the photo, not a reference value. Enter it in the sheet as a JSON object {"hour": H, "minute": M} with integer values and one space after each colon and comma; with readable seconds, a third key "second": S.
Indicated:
{"hour": 8, "minute": 1}
